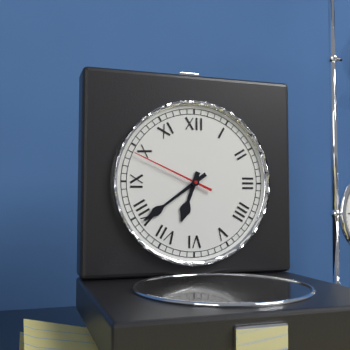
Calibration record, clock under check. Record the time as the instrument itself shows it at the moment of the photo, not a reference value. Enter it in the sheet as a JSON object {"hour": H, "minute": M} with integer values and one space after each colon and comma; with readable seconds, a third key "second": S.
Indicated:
{"hour": 6, "minute": 39, "second": 49}
